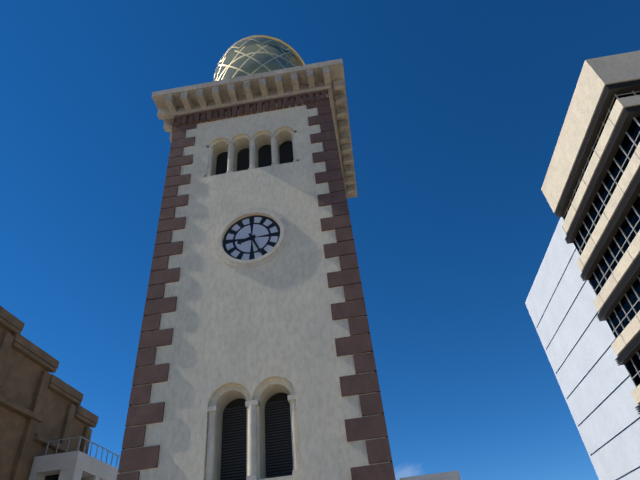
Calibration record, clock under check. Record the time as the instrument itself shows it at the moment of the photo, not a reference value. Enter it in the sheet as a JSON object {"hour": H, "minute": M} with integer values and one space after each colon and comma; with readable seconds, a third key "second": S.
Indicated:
{"hour": 8, "minute": 26}
